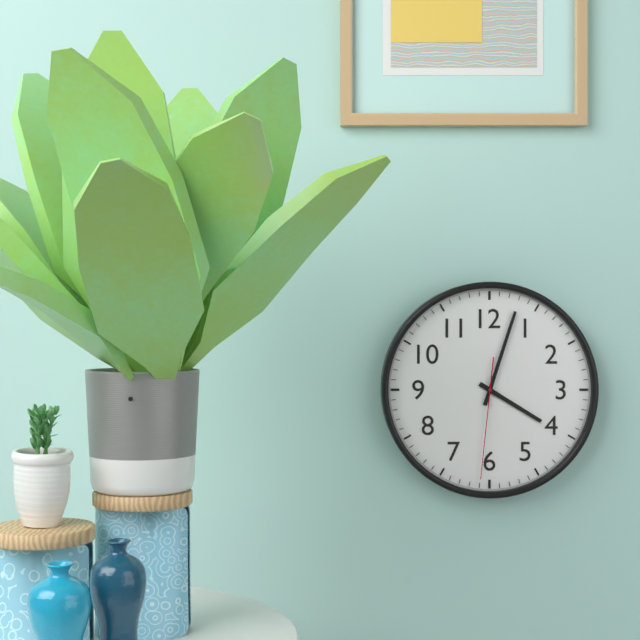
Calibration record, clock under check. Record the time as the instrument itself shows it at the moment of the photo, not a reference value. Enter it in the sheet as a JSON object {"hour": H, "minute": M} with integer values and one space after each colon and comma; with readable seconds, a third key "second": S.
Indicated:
{"hour": 4, "minute": 3, "second": 31}
